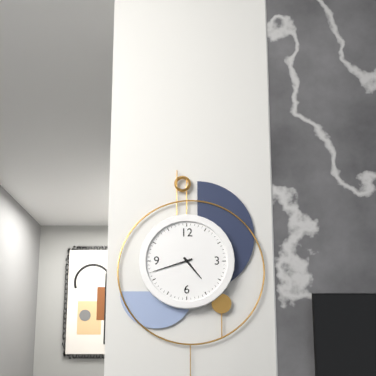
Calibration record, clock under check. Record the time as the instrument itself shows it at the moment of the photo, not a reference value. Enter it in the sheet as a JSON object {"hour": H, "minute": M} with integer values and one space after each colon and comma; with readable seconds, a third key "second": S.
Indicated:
{"hour": 4, "minute": 42}
